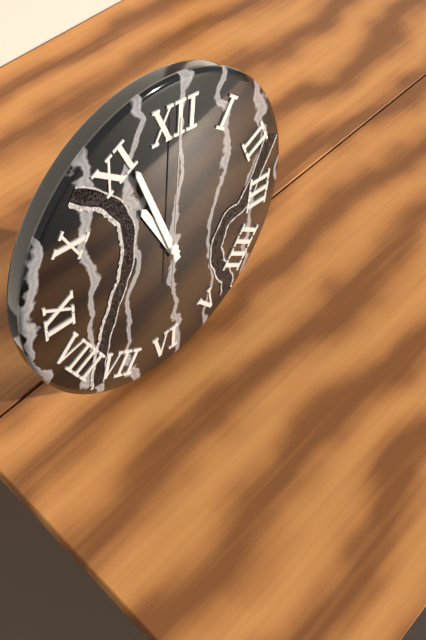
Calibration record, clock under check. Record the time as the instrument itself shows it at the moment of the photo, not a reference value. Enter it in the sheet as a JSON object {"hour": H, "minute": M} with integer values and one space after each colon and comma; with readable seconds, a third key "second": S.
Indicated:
{"hour": 10, "minute": 56, "second": 0}
